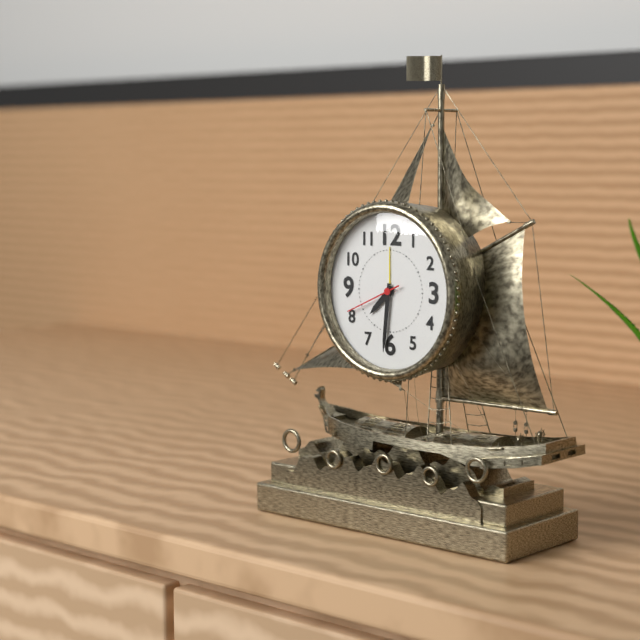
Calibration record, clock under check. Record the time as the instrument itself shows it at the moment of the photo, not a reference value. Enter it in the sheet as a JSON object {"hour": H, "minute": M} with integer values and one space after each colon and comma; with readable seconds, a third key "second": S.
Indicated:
{"hour": 7, "minute": 31, "second": 41}
